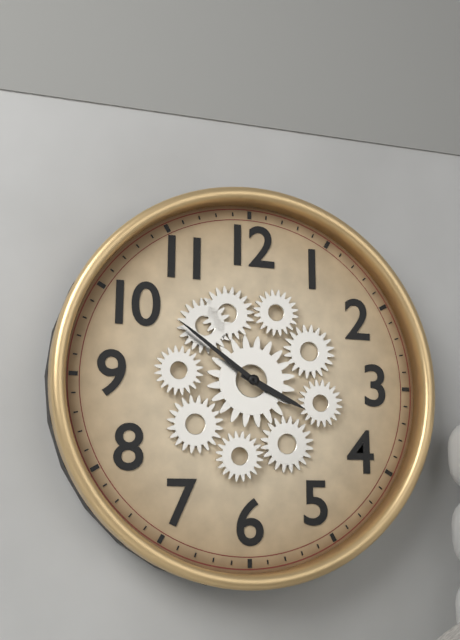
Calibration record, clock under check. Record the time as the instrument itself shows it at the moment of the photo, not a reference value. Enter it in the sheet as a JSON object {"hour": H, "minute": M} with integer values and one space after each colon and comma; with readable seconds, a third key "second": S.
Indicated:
{"hour": 3, "minute": 51}
